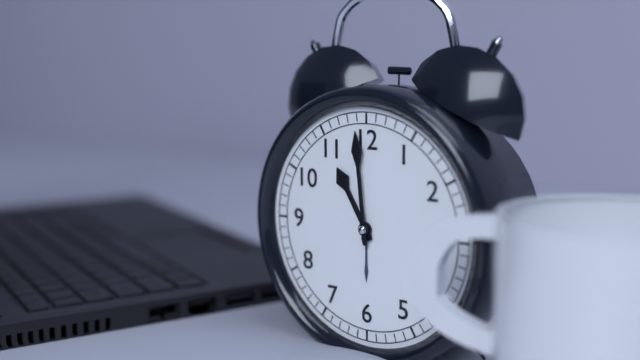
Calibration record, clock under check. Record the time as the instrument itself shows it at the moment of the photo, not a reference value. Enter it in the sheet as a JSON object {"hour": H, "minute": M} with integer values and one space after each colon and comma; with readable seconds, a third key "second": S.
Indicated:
{"hour": 10, "minute": 59}
